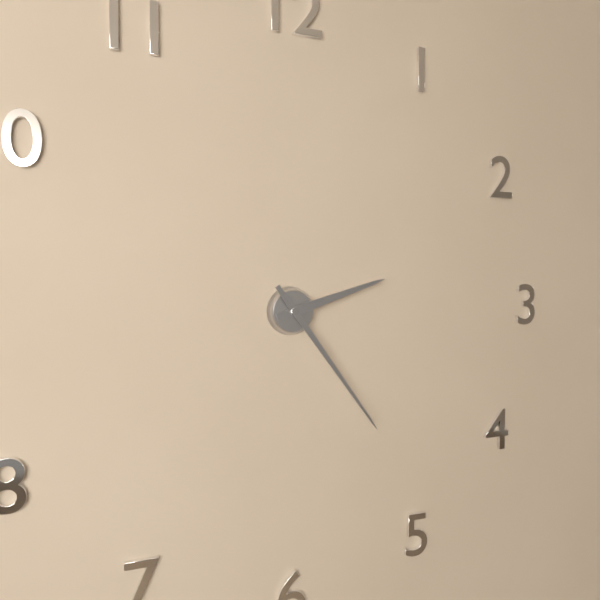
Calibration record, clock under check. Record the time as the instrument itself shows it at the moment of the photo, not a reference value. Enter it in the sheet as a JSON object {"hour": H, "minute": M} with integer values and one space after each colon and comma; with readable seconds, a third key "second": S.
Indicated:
{"hour": 2, "minute": 24}
